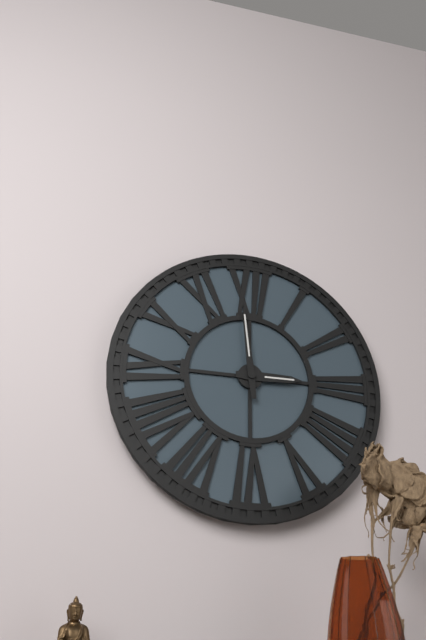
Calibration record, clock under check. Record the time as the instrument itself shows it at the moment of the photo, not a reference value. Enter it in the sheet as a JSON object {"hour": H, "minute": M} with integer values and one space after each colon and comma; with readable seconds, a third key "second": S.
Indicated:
{"hour": 2, "minute": 59}
